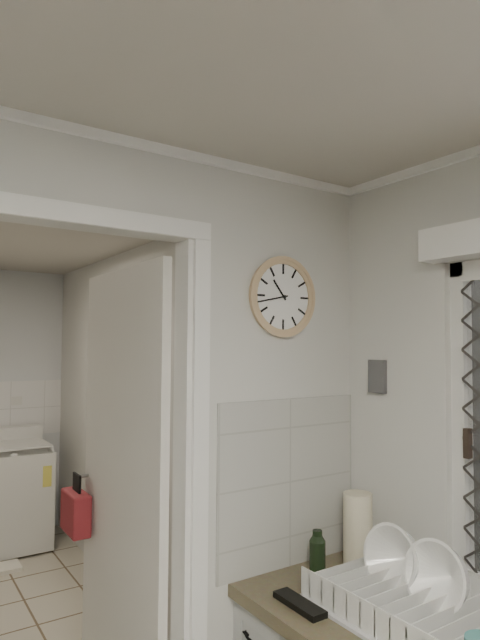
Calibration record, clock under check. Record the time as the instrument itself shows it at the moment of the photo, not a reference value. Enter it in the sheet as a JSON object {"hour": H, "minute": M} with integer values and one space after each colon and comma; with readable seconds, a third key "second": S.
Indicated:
{"hour": 10, "minute": 43}
